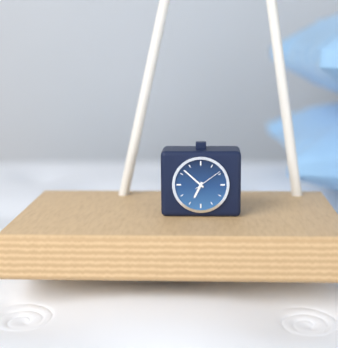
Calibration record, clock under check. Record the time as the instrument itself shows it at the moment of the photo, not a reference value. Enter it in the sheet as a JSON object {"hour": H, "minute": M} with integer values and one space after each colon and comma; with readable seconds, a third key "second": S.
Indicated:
{"hour": 6, "minute": 52}
